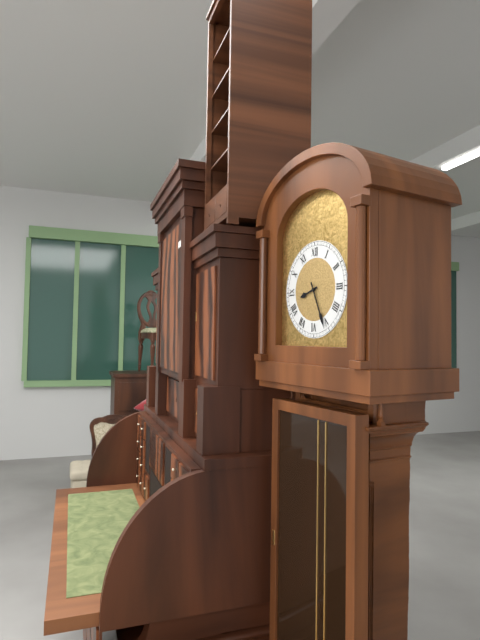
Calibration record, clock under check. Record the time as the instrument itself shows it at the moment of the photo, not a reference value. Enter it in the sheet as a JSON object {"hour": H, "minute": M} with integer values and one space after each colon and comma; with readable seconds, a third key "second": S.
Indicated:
{"hour": 8, "minute": 26}
